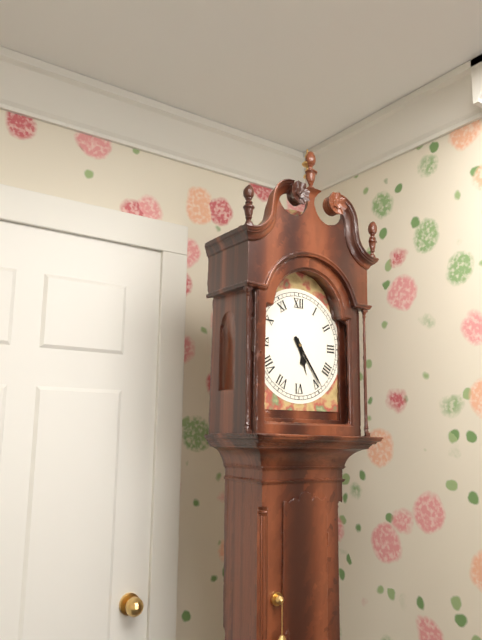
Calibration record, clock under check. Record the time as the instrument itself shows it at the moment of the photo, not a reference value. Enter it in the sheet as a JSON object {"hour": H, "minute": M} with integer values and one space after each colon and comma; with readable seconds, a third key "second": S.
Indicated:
{"hour": 5, "minute": 24}
